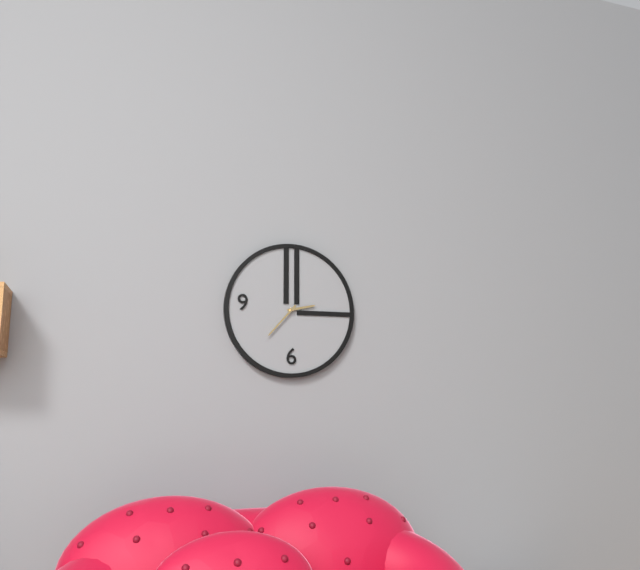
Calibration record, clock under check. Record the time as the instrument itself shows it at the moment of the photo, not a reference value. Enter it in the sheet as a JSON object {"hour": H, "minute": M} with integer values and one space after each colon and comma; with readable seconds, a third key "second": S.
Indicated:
{"hour": 2, "minute": 37}
